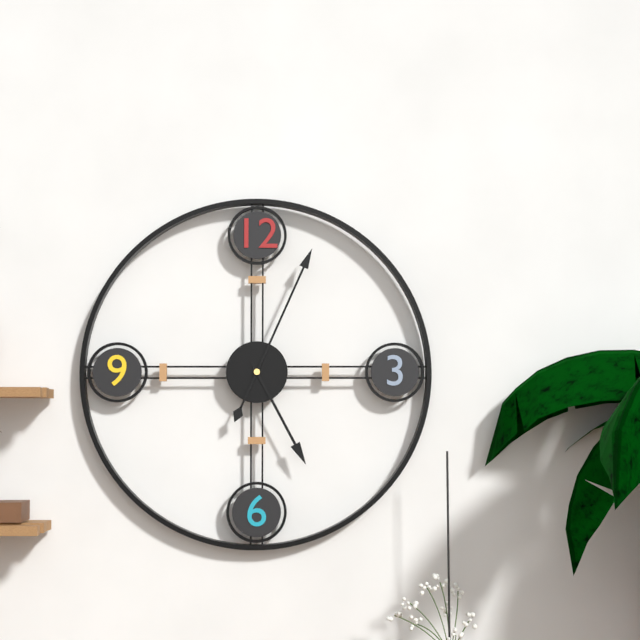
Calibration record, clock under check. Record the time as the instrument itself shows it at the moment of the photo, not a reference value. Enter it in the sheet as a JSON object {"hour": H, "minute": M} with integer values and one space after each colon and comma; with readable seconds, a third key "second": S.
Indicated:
{"hour": 5, "minute": 4}
